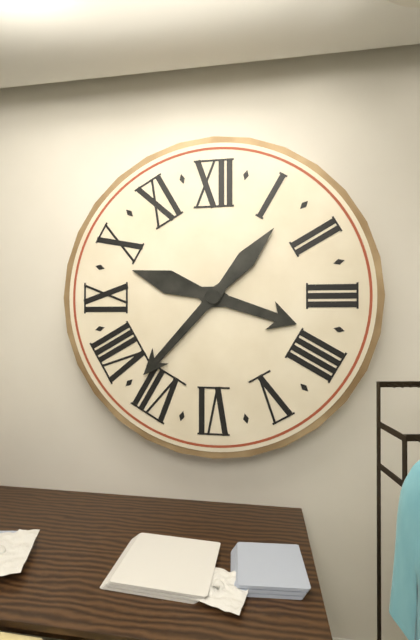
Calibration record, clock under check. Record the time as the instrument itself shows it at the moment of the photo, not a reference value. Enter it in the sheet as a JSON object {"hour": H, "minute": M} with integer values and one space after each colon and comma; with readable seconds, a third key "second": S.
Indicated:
{"hour": 3, "minute": 37}
